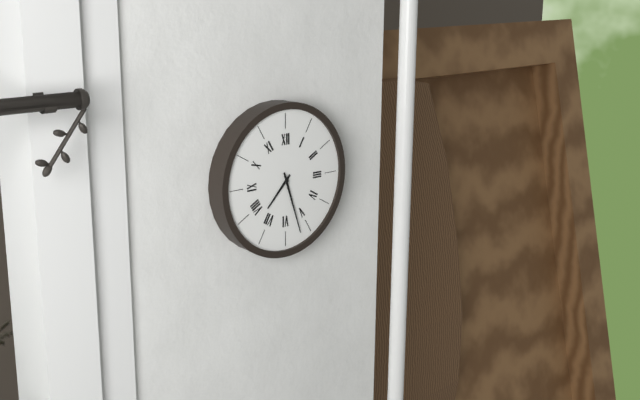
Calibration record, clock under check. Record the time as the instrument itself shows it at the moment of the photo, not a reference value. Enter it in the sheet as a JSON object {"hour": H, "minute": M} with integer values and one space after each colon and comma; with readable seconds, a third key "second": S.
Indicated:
{"hour": 7, "minute": 27}
